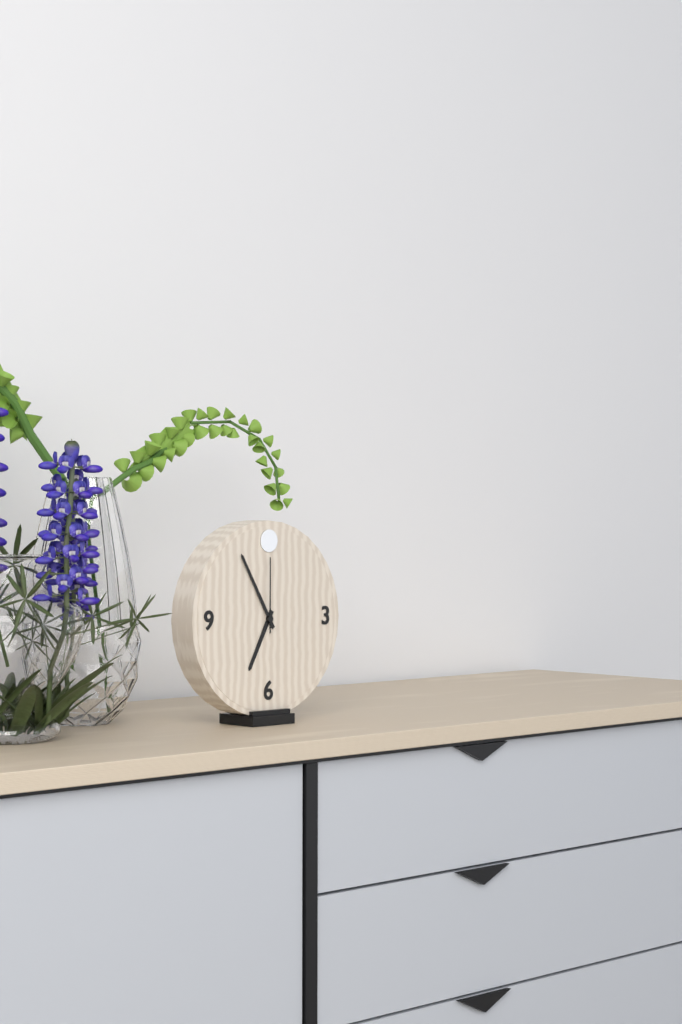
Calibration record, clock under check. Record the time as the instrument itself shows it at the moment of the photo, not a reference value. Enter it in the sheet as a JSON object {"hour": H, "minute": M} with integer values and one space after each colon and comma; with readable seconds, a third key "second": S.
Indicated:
{"hour": 6, "minute": 55, "second": 0}
